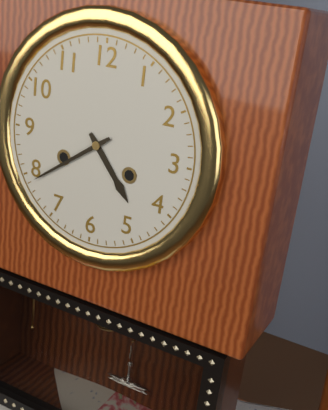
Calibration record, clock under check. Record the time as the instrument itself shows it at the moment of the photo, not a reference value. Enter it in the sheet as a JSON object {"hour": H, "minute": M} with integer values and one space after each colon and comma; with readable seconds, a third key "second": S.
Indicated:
{"hour": 4, "minute": 39}
